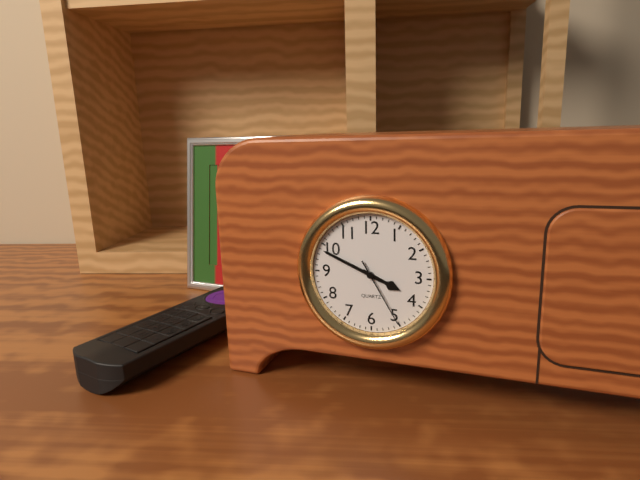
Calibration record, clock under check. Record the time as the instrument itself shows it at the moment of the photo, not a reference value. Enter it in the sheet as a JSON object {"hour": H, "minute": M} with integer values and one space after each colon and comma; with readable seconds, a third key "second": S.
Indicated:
{"hour": 3, "minute": 49, "second": 25}
